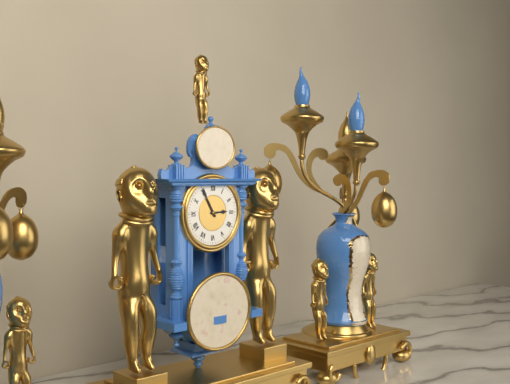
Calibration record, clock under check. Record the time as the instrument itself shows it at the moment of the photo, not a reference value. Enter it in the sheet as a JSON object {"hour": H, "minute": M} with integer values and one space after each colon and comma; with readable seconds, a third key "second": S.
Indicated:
{"hour": 2, "minute": 55}
